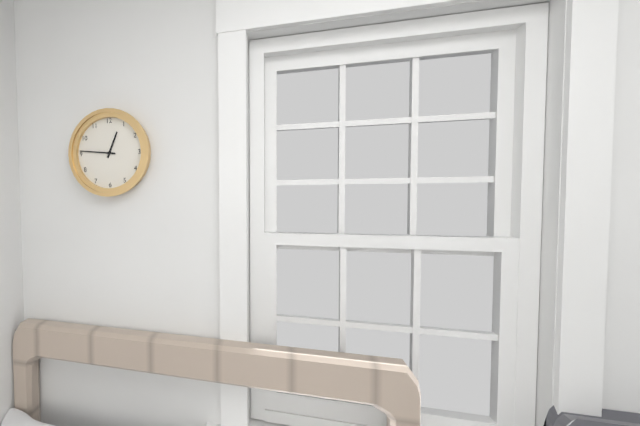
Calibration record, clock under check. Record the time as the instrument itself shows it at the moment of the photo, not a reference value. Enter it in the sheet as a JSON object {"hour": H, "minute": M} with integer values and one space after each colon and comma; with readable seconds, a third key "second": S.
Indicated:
{"hour": 12, "minute": 46}
